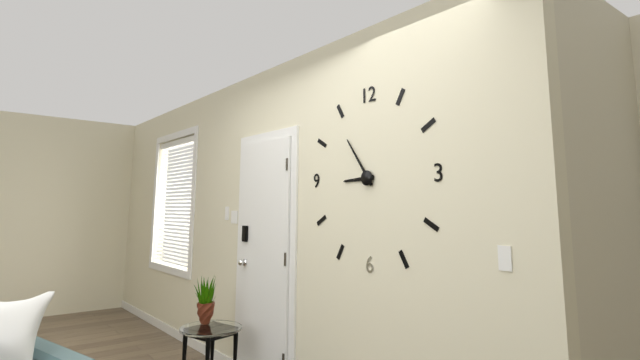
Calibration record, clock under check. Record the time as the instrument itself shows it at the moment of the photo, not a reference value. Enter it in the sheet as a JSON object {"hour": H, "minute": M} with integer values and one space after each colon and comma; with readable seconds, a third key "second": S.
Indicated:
{"hour": 8, "minute": 54}
